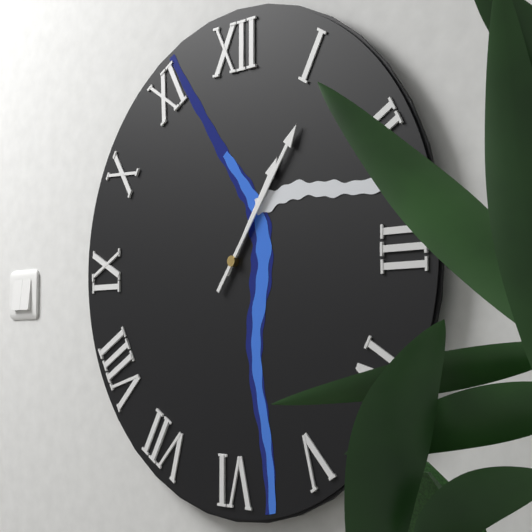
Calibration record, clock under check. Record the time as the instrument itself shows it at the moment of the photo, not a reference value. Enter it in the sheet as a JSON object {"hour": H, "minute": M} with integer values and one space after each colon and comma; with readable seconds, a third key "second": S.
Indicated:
{"hour": 1, "minute": 6}
